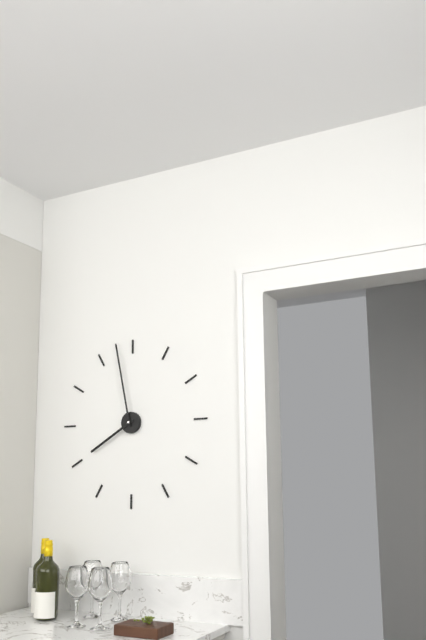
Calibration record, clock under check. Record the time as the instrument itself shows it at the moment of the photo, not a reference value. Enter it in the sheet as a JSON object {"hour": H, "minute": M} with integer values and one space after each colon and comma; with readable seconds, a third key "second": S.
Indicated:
{"hour": 7, "minute": 58}
